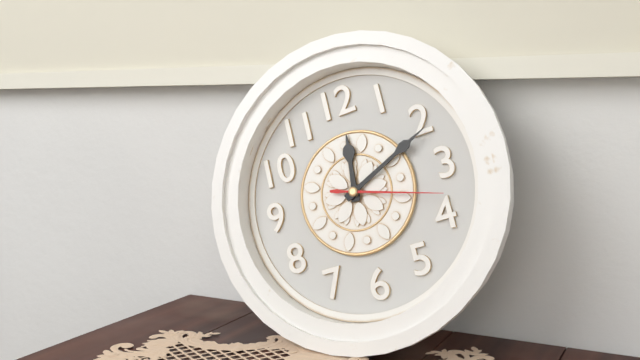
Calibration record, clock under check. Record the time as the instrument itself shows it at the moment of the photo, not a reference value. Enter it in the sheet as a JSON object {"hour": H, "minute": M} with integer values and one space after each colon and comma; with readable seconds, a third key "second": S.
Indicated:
{"hour": 12, "minute": 11, "second": 18}
